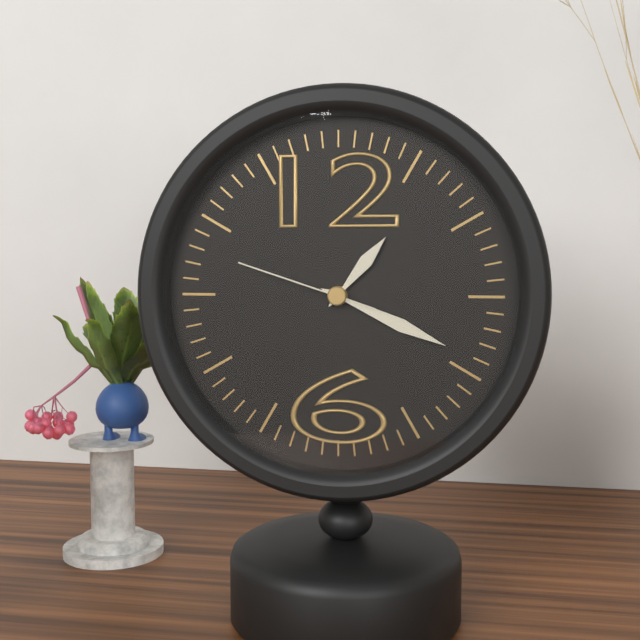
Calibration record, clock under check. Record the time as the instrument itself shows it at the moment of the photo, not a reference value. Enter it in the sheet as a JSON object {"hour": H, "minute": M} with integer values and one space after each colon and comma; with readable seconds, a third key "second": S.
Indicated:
{"hour": 1, "minute": 19, "second": 48}
